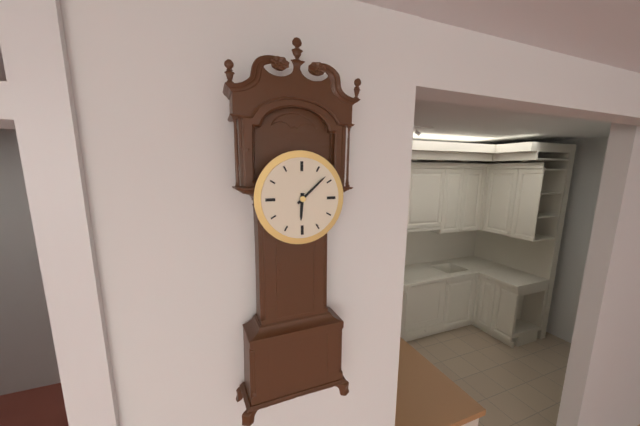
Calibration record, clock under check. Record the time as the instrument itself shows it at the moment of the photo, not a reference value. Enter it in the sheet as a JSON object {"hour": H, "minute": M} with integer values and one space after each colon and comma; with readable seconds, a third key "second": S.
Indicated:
{"hour": 6, "minute": 8}
